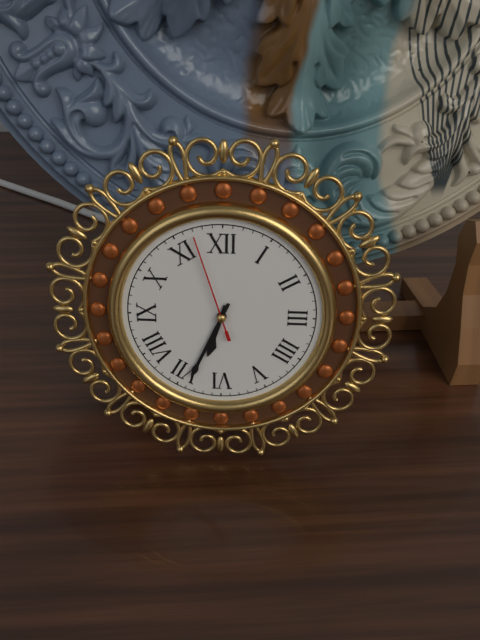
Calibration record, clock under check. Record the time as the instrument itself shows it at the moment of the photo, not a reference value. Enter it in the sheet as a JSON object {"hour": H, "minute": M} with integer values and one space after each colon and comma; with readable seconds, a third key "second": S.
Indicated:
{"hour": 6, "minute": 34, "second": 57}
